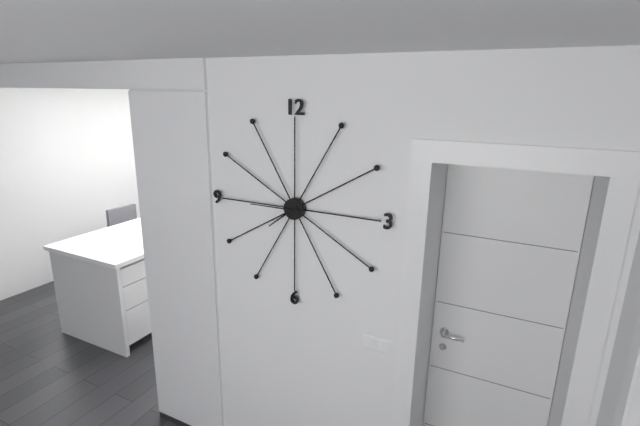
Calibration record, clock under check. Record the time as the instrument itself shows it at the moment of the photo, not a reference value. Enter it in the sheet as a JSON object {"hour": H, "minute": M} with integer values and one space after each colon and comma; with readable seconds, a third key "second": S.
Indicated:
{"hour": 7, "minute": 45}
